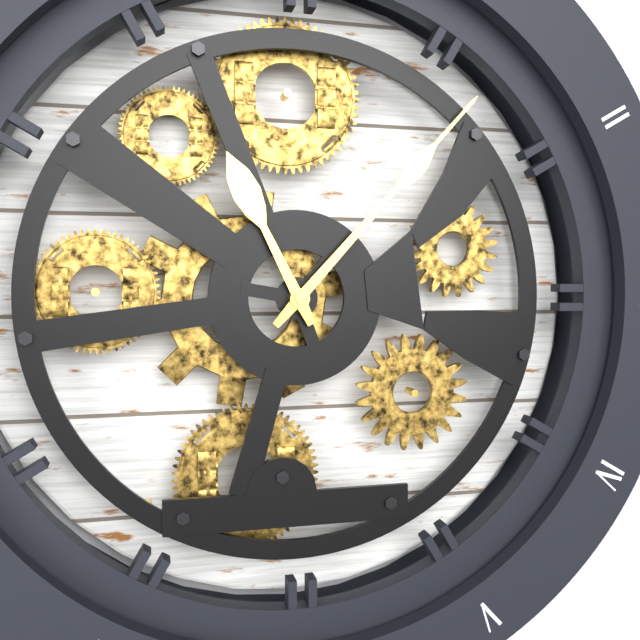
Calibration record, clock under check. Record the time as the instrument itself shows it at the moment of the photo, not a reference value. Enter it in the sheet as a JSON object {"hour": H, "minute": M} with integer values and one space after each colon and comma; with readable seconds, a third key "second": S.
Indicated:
{"hour": 11, "minute": 7}
